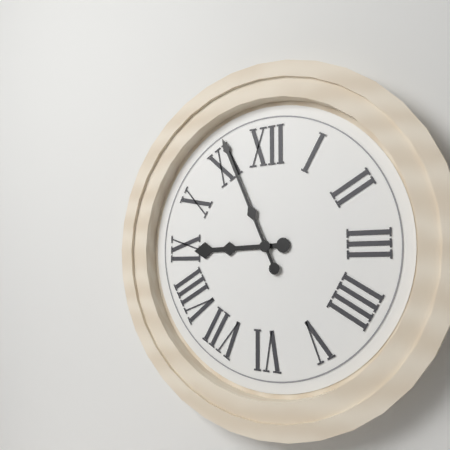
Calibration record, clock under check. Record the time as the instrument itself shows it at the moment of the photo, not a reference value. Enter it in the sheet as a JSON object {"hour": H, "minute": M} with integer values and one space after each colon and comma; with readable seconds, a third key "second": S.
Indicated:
{"hour": 8, "minute": 56}
